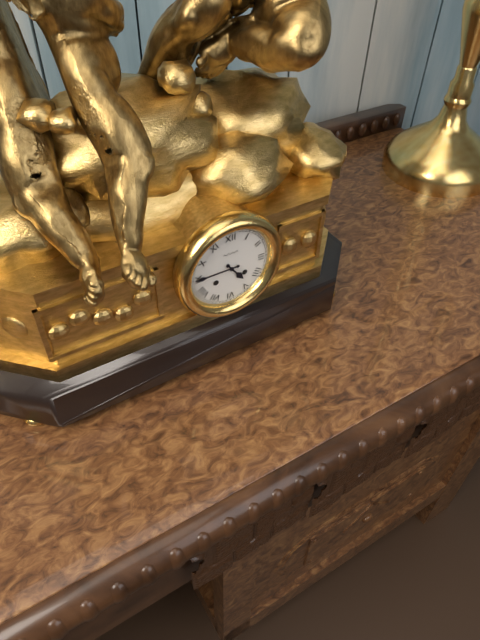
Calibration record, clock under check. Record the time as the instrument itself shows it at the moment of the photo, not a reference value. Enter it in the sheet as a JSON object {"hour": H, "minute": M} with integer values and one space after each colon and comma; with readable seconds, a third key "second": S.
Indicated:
{"hour": 4, "minute": 45}
